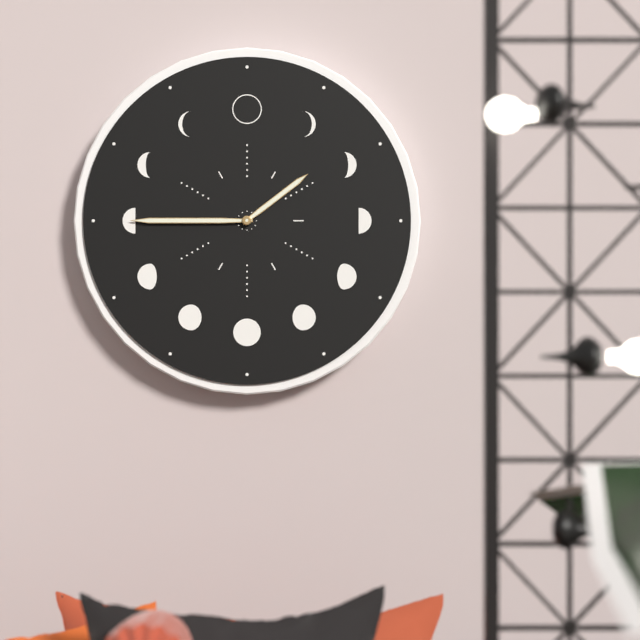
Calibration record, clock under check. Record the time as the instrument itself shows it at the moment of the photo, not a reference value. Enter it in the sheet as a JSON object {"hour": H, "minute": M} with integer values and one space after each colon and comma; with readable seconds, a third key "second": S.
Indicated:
{"hour": 1, "minute": 45}
